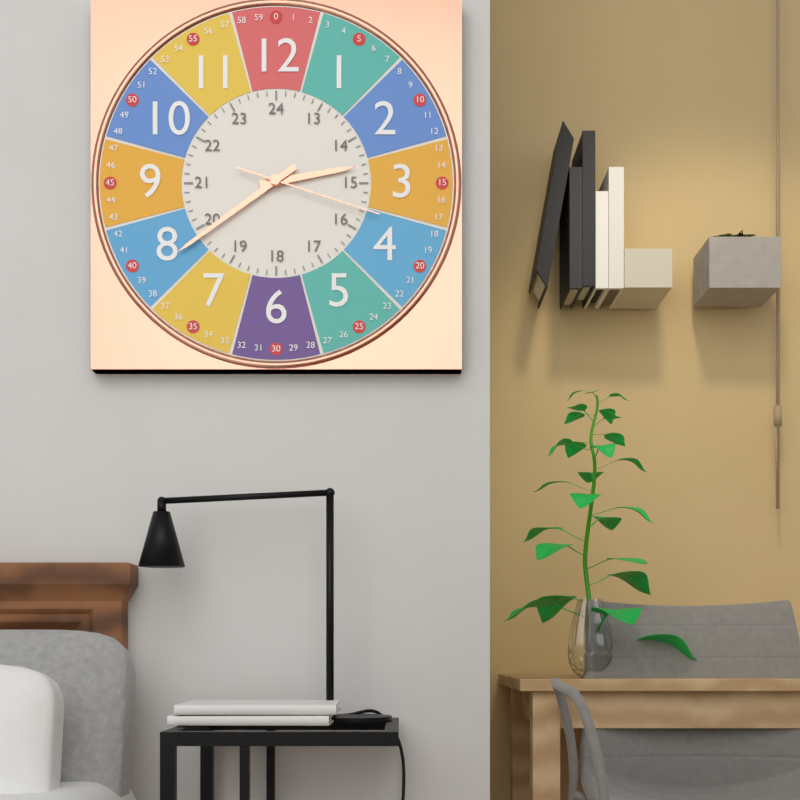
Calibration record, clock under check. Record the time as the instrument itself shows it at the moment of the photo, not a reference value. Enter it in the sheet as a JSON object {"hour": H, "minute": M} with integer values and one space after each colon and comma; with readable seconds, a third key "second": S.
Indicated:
{"hour": 2, "minute": 39, "second": 18}
